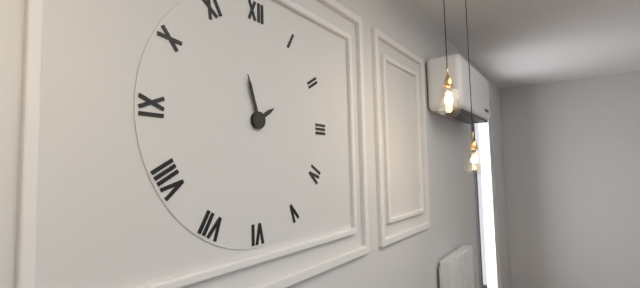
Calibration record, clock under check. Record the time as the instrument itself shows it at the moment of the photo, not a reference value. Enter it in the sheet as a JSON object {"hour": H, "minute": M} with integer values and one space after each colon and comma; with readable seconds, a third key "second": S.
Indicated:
{"hour": 1, "minute": 57}
